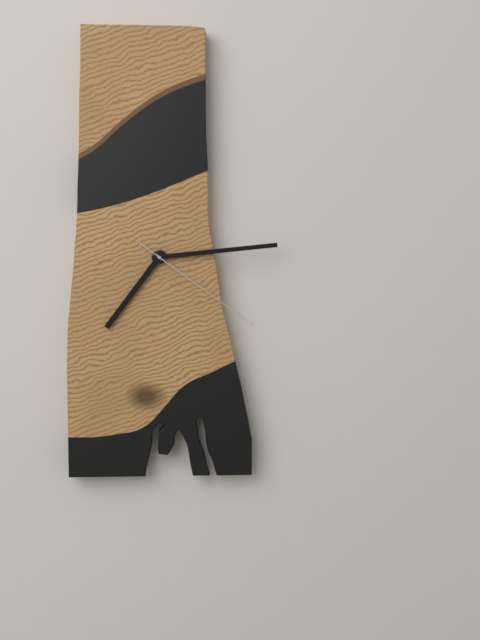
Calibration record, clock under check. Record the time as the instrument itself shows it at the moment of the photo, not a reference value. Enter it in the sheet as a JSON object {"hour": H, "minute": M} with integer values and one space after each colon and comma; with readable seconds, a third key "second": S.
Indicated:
{"hour": 7, "minute": 14, "second": 21}
